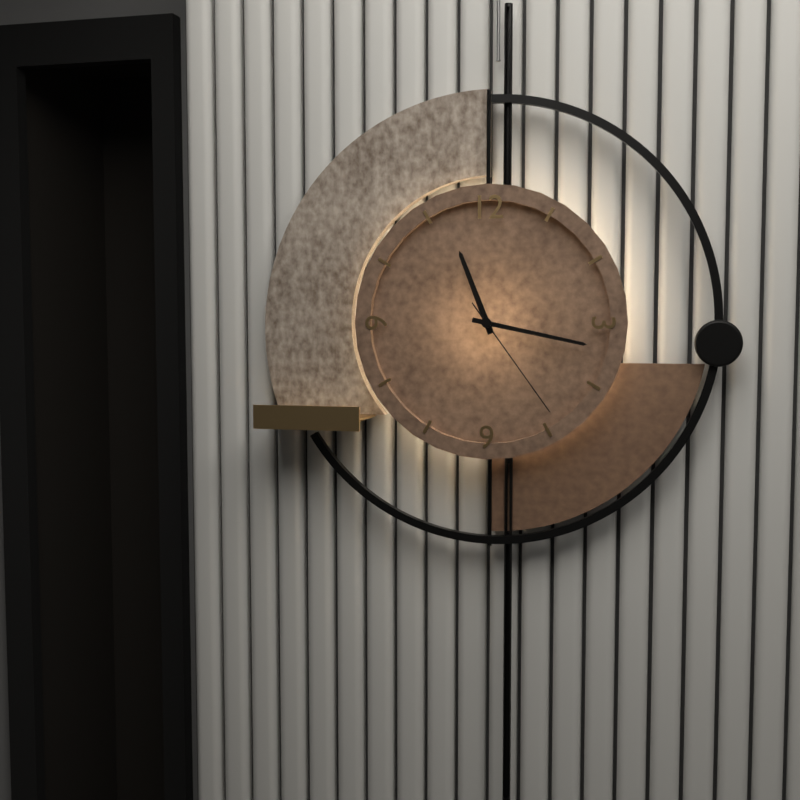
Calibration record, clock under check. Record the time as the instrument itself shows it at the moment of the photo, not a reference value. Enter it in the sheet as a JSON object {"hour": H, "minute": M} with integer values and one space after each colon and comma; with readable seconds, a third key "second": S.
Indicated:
{"hour": 11, "minute": 17, "second": 24}
